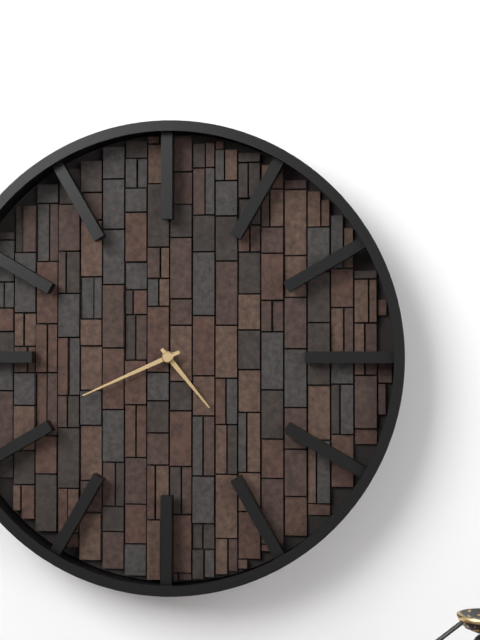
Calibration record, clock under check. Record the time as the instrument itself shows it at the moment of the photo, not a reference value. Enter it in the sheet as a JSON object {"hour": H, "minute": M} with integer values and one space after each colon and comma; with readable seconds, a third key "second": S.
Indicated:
{"hour": 4, "minute": 41}
